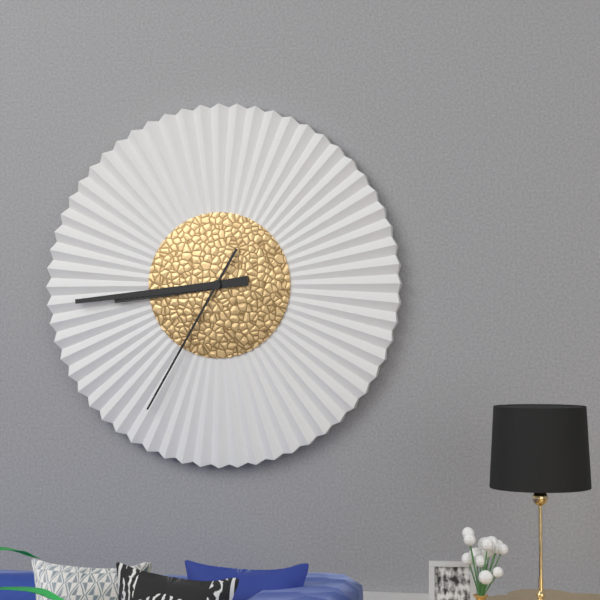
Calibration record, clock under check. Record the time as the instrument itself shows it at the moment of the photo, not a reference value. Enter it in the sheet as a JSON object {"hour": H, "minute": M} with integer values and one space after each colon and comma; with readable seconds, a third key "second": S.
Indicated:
{"hour": 8, "minute": 44, "second": 35}
